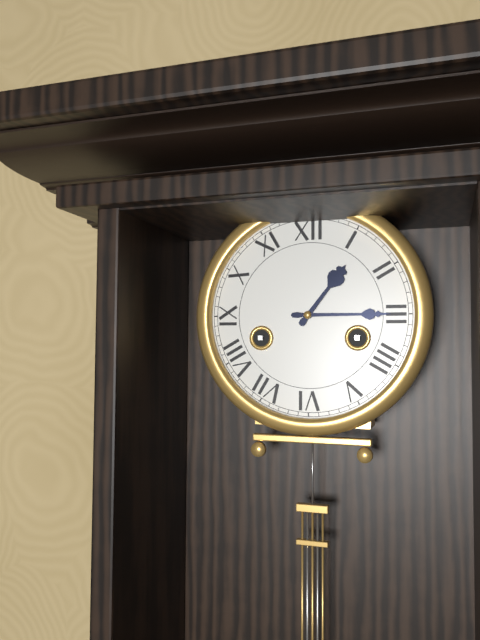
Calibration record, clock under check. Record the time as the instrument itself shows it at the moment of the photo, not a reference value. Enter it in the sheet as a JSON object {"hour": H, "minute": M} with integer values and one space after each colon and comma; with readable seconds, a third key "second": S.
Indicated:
{"hour": 1, "minute": 15}
